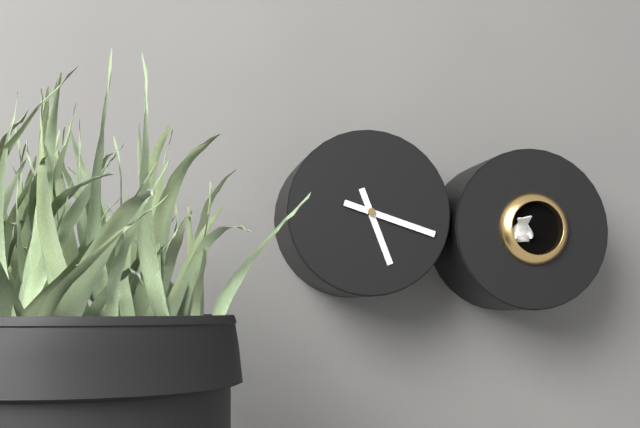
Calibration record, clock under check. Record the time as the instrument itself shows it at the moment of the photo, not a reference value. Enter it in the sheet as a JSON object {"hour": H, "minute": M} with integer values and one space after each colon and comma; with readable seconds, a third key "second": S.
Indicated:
{"hour": 5, "minute": 18}
